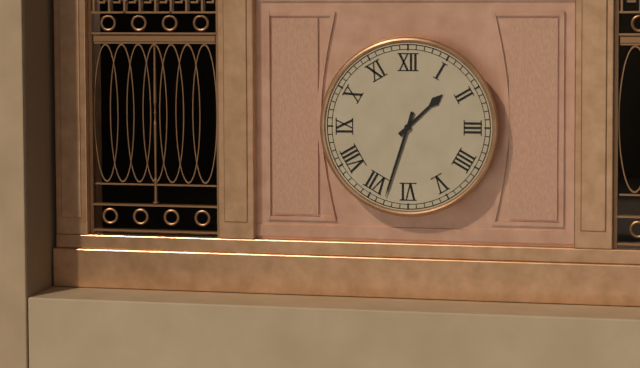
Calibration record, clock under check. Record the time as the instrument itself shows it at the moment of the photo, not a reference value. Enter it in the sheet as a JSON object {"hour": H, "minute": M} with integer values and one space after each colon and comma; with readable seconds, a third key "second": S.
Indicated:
{"hour": 1, "minute": 33}
